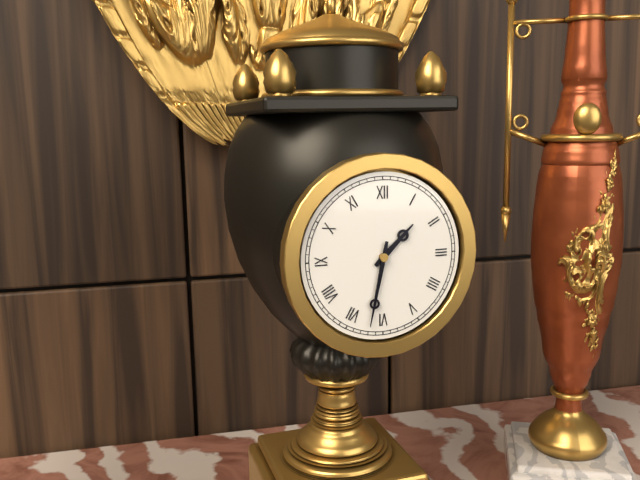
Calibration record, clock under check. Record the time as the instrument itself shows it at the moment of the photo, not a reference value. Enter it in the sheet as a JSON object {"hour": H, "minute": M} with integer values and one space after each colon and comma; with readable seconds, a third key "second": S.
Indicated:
{"hour": 1, "minute": 32}
